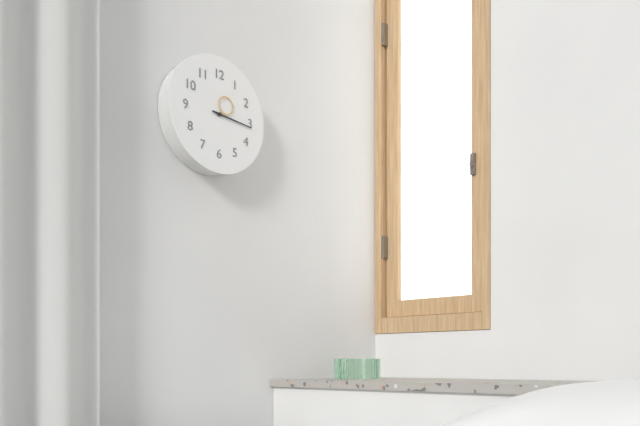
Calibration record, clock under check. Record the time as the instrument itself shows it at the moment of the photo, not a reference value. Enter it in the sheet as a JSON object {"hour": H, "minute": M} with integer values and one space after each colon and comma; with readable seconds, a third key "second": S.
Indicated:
{"hour": 1, "minute": 16}
